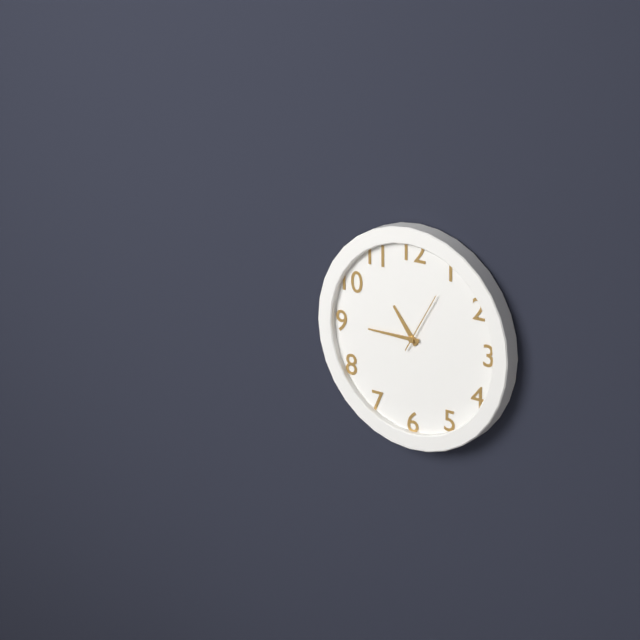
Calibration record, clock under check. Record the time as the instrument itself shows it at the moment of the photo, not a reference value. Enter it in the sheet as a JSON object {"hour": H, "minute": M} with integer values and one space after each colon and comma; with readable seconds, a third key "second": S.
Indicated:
{"hour": 10, "minute": 45, "second": 5}
